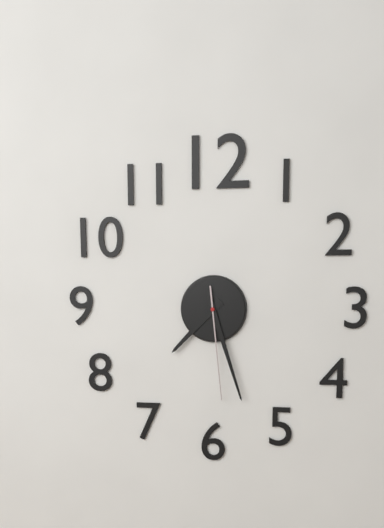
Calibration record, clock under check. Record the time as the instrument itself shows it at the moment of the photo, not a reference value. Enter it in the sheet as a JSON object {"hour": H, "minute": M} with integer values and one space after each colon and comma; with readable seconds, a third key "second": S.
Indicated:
{"hour": 7, "minute": 27, "second": 29}
